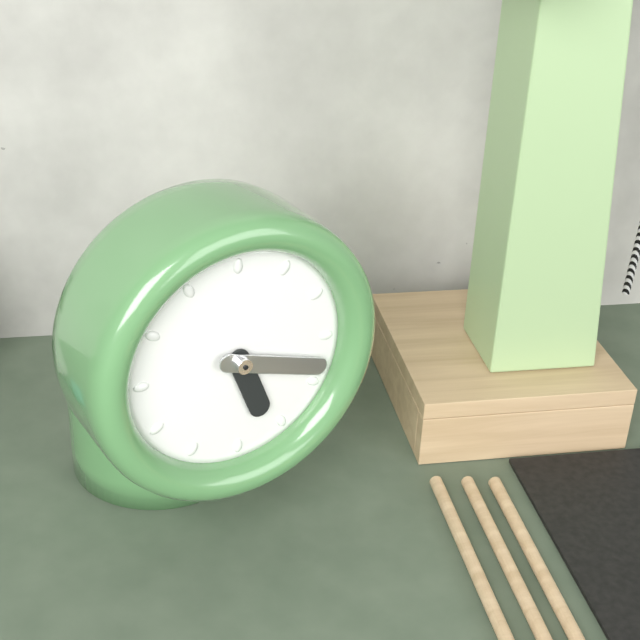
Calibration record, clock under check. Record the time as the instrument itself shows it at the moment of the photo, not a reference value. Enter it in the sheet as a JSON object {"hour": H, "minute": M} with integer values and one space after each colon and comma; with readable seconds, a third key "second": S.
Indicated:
{"hour": 5, "minute": 18}
